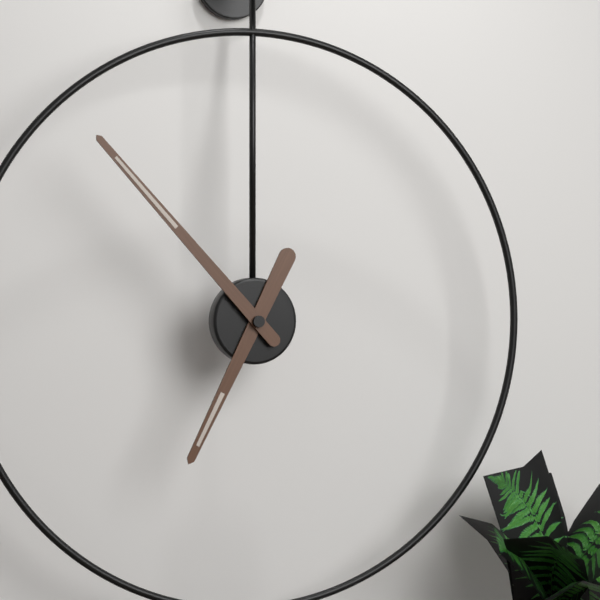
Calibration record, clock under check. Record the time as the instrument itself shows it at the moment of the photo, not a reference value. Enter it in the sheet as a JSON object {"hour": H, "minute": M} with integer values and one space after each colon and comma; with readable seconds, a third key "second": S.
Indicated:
{"hour": 6, "minute": 53}
